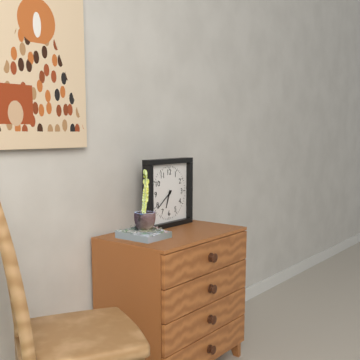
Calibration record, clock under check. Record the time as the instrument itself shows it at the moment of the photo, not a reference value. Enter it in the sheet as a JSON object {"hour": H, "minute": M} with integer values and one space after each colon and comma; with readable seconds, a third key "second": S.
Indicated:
{"hour": 6, "minute": 39}
